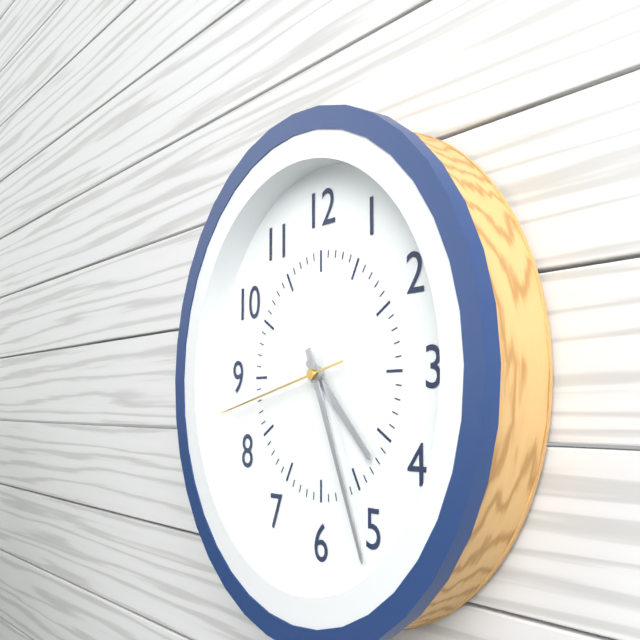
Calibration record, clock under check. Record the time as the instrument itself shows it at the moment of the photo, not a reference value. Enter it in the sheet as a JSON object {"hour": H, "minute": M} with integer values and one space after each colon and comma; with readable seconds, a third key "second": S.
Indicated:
{"hour": 4, "minute": 26, "second": 43}
